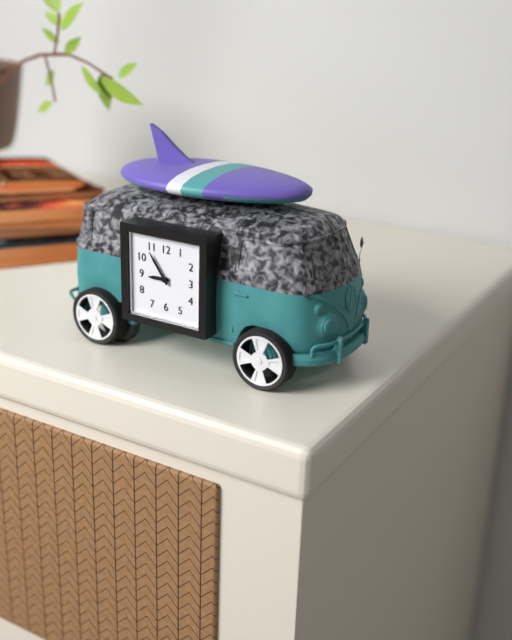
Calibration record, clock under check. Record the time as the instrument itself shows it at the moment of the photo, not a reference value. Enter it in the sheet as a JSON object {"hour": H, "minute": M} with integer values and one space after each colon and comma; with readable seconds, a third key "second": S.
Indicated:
{"hour": 8, "minute": 54}
